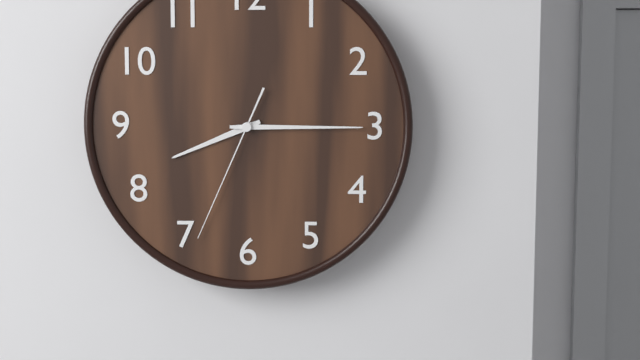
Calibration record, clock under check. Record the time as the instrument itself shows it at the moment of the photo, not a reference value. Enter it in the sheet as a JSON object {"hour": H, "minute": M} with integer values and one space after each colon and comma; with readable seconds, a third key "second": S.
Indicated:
{"hour": 8, "minute": 15, "second": 34}
